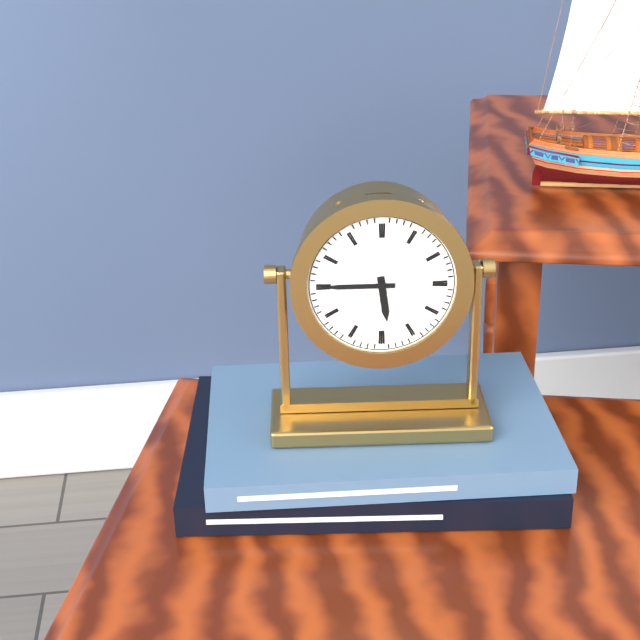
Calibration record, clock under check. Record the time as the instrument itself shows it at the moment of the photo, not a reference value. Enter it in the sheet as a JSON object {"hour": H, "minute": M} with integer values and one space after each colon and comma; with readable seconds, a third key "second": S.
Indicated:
{"hour": 5, "minute": 45}
